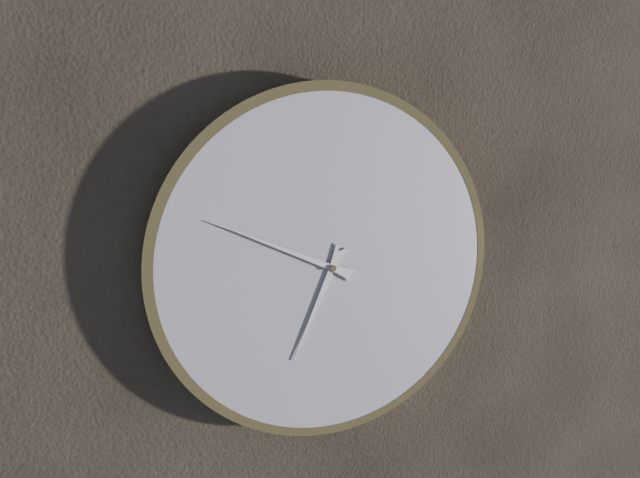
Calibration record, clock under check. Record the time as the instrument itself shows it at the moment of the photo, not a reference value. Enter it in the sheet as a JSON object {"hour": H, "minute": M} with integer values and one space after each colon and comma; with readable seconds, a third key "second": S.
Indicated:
{"hour": 6, "minute": 49}
